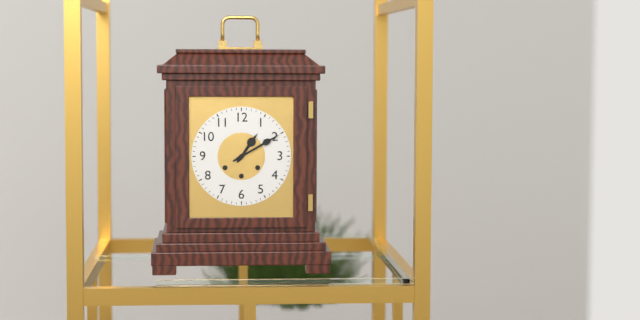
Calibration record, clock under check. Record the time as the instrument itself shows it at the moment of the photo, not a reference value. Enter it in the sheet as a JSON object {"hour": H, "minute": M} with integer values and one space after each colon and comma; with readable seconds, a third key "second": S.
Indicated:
{"hour": 1, "minute": 10}
